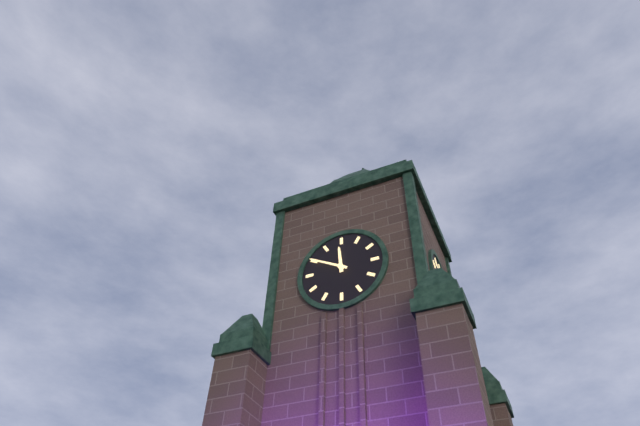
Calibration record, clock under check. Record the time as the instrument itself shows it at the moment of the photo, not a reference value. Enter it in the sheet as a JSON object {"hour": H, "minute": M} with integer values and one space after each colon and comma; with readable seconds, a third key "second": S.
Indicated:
{"hour": 11, "minute": 50}
